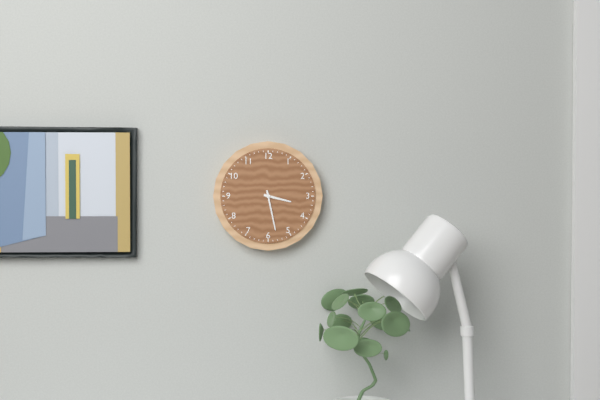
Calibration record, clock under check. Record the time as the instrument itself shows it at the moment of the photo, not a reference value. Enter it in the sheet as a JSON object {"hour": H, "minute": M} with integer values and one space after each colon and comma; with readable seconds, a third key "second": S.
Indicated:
{"hour": 3, "minute": 28}
